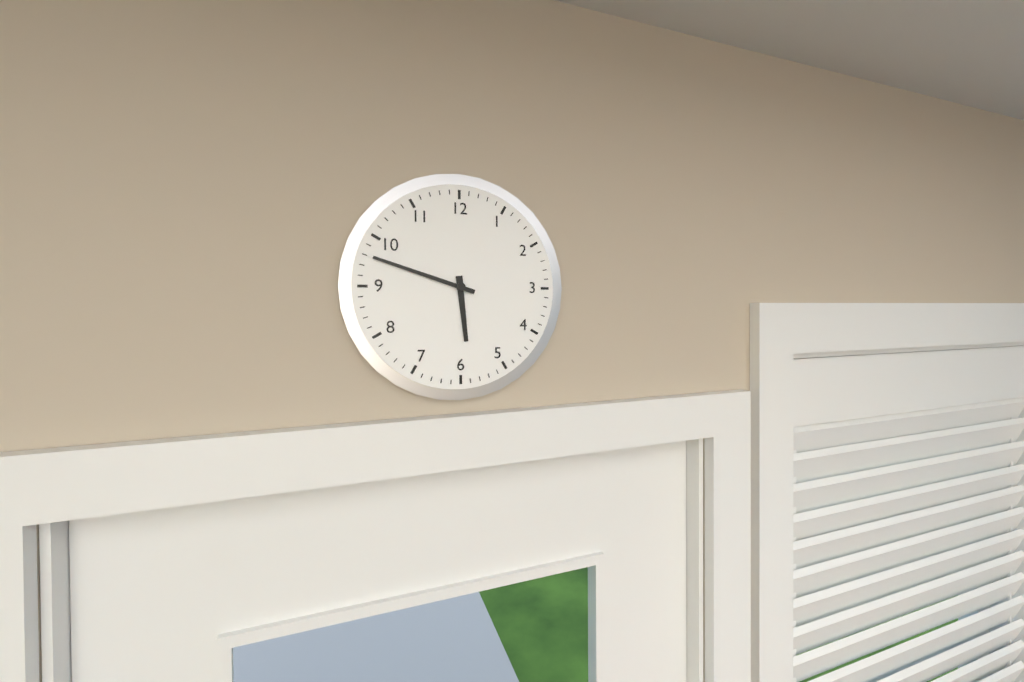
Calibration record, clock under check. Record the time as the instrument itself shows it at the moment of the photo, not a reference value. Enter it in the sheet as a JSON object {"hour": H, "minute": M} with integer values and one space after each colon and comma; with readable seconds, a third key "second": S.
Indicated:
{"hour": 5, "minute": 48}
